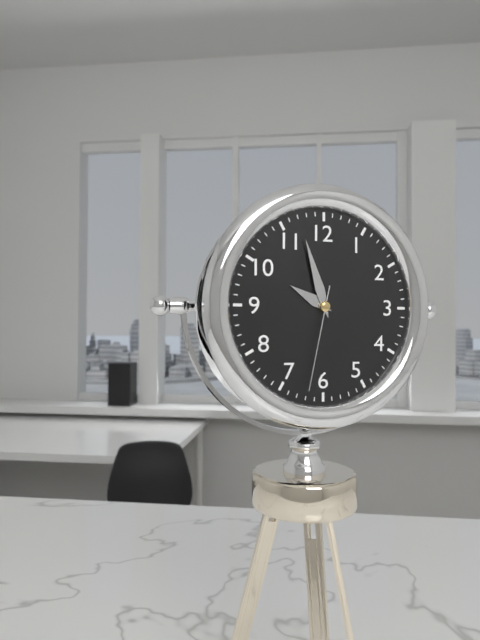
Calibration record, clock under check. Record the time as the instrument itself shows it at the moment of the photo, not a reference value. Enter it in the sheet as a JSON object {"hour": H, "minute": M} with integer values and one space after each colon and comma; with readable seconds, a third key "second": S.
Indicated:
{"hour": 9, "minute": 57, "second": 32}
